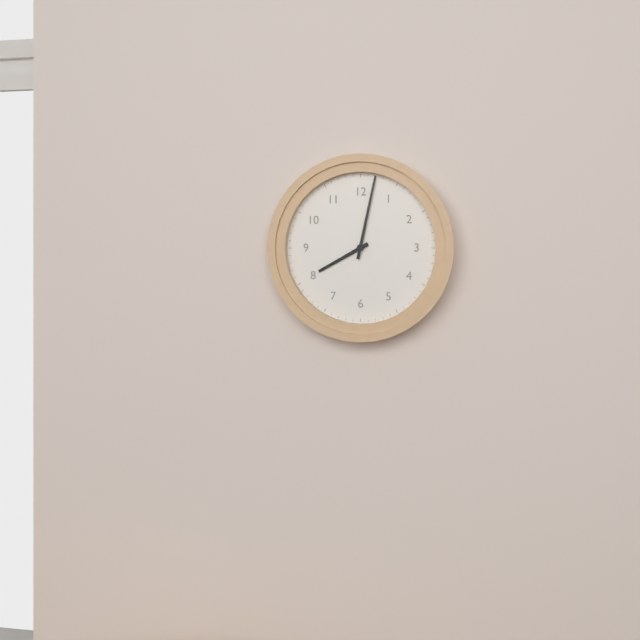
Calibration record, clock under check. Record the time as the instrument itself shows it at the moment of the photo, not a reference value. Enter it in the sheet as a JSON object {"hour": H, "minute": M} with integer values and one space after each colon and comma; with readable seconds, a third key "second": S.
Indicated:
{"hour": 8, "minute": 2}
